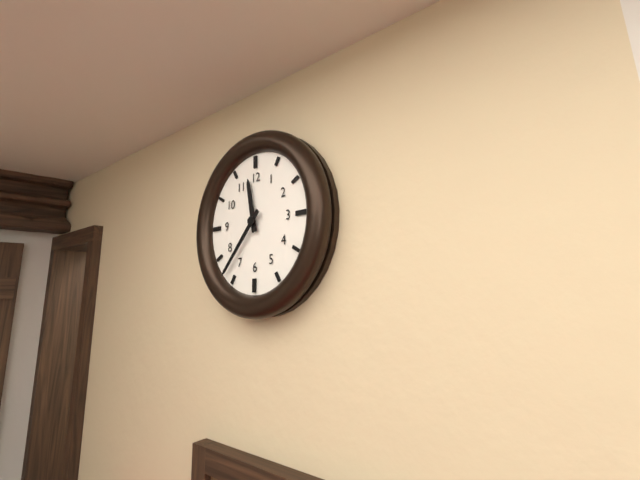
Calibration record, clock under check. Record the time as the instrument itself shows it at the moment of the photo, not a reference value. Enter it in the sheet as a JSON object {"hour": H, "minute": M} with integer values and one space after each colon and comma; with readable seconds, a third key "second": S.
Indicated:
{"hour": 11, "minute": 37}
